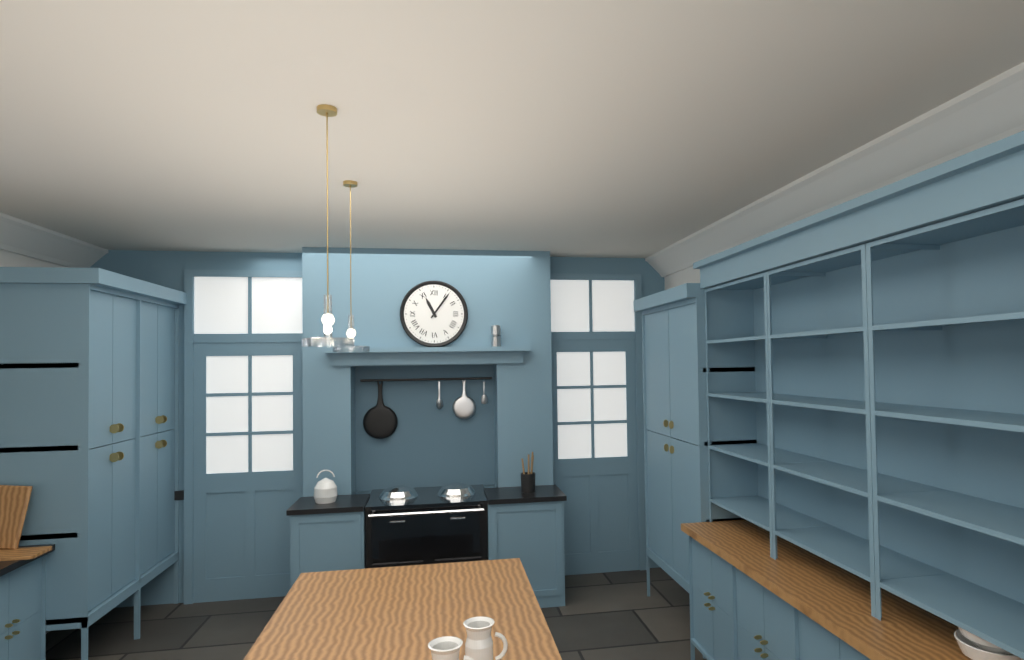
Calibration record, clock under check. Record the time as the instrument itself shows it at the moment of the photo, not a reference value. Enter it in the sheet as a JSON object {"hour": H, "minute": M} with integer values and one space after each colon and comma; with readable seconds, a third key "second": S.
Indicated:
{"hour": 11, "minute": 6}
